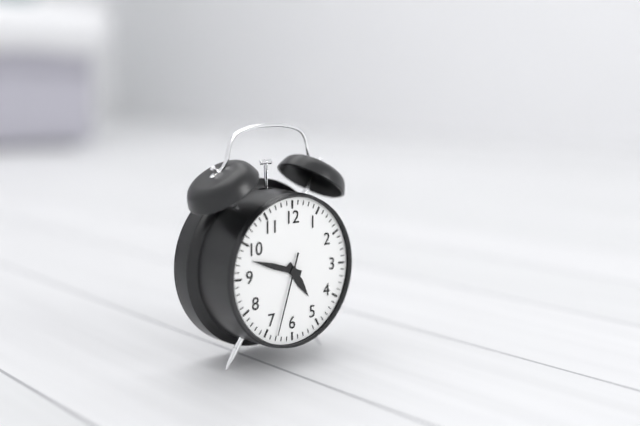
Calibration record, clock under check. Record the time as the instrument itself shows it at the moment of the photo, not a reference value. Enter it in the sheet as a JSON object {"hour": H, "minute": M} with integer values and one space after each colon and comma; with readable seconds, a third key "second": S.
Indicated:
{"hour": 4, "minute": 48, "second": 33}
